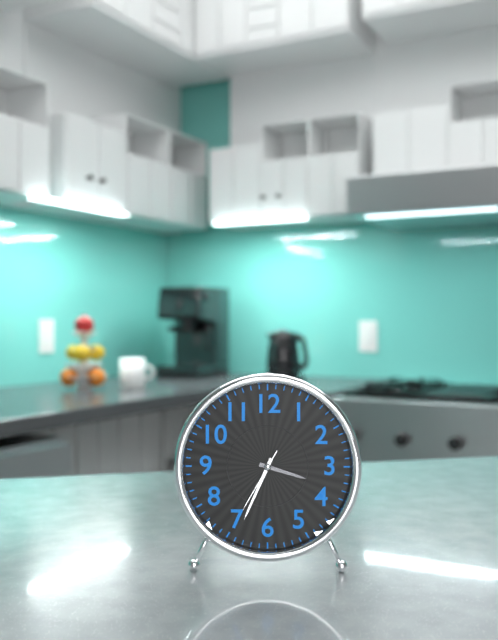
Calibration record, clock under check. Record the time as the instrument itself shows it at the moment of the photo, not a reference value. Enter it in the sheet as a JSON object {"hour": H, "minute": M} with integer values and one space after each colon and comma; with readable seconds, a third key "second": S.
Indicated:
{"hour": 3, "minute": 34, "second": 35}
